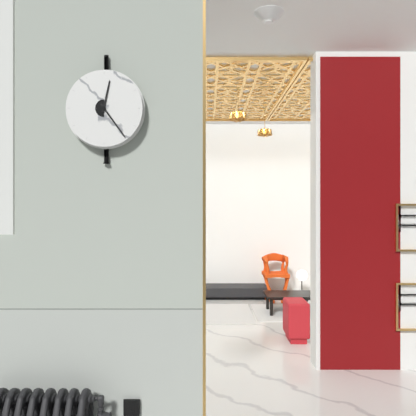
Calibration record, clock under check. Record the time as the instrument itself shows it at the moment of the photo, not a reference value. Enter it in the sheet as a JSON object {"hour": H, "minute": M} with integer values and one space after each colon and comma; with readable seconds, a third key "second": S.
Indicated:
{"hour": 12, "minute": 24}
